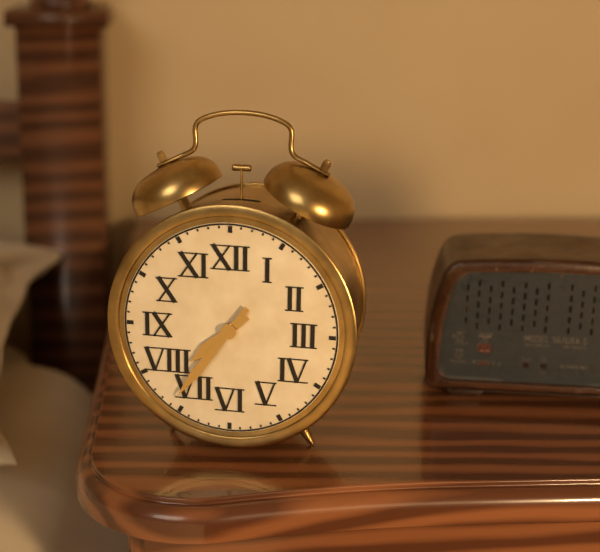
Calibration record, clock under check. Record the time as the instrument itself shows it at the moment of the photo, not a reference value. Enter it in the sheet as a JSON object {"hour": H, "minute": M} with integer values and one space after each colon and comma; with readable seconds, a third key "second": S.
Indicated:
{"hour": 7, "minute": 36}
